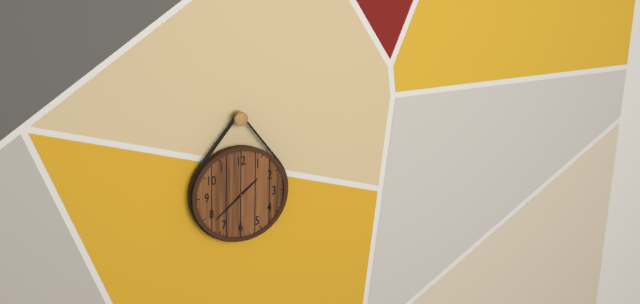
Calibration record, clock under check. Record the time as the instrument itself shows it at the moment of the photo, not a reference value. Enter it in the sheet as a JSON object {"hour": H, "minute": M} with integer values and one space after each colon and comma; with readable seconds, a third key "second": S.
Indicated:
{"hour": 1, "minute": 38}
